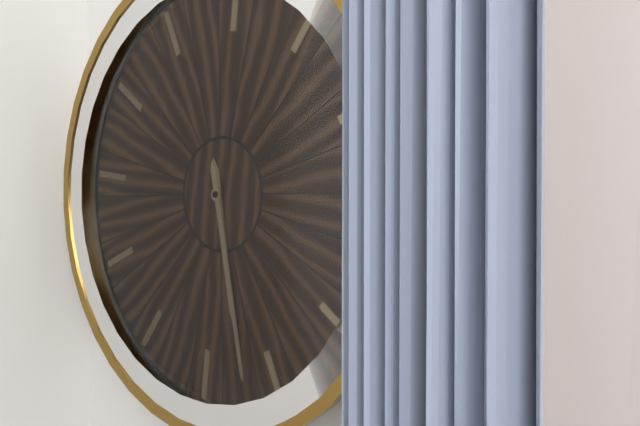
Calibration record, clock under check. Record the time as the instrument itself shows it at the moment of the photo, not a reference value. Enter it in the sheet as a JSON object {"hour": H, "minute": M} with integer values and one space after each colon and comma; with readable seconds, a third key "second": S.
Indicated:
{"hour": 5, "minute": 27}
